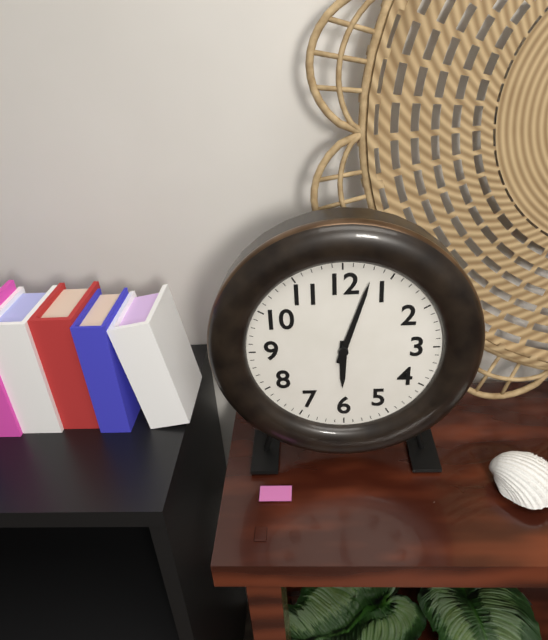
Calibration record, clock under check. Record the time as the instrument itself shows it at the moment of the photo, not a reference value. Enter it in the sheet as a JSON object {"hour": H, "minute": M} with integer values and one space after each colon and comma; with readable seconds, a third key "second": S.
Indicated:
{"hour": 6, "minute": 3}
